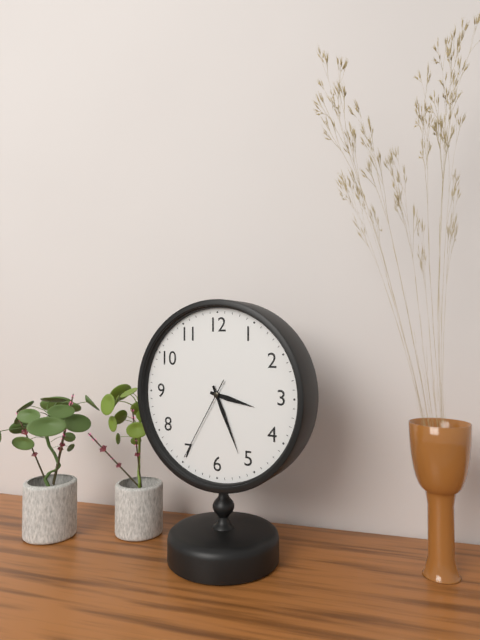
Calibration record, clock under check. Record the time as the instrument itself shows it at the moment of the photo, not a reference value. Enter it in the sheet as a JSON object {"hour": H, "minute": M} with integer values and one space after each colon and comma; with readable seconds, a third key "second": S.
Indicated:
{"hour": 3, "minute": 26, "second": 35}
